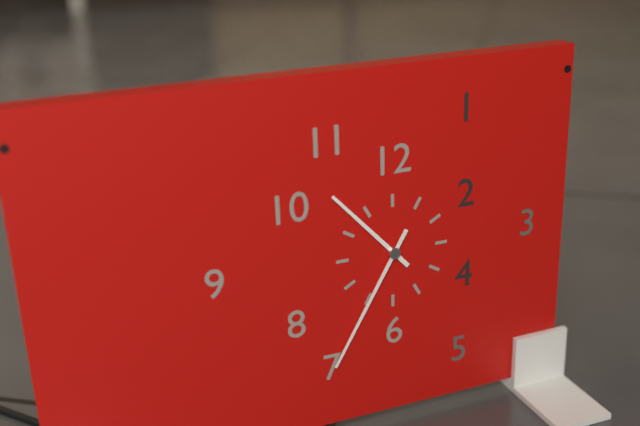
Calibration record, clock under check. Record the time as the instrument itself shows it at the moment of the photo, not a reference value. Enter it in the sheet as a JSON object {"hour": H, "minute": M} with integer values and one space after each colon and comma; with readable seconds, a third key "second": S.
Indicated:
{"hour": 10, "minute": 35}
